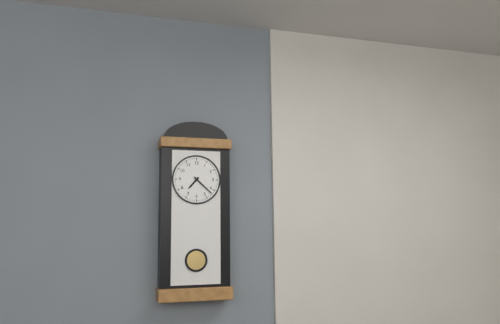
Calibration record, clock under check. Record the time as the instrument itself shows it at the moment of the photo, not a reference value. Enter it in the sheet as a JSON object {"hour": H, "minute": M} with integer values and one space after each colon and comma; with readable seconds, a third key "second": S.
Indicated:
{"hour": 7, "minute": 22}
